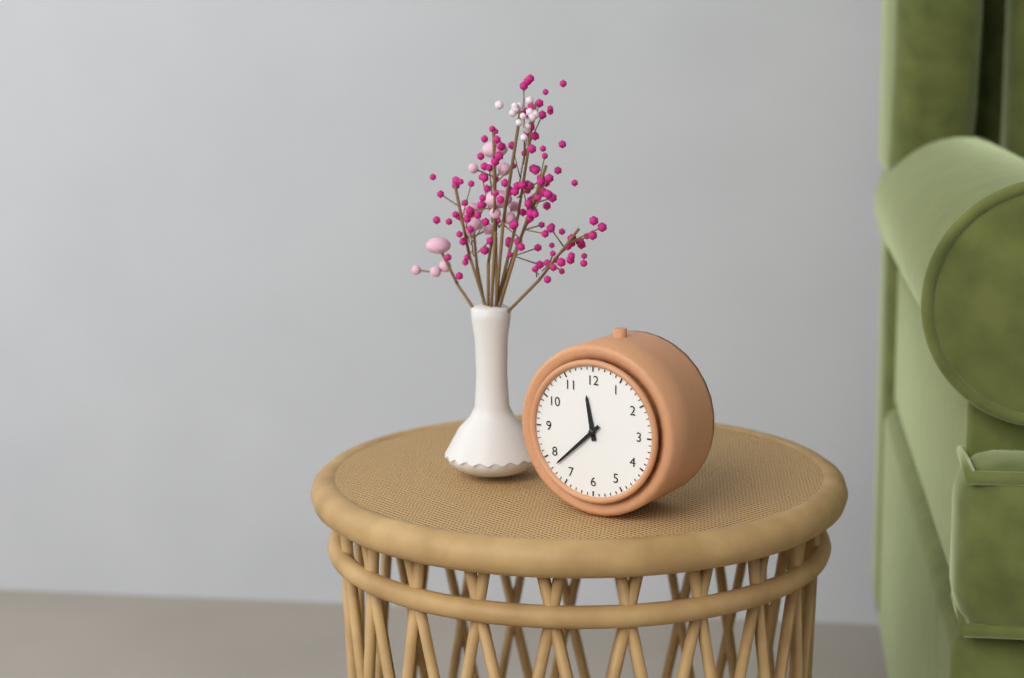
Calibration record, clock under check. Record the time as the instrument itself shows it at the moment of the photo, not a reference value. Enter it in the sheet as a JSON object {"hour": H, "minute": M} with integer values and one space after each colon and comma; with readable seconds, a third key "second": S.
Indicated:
{"hour": 11, "minute": 38}
